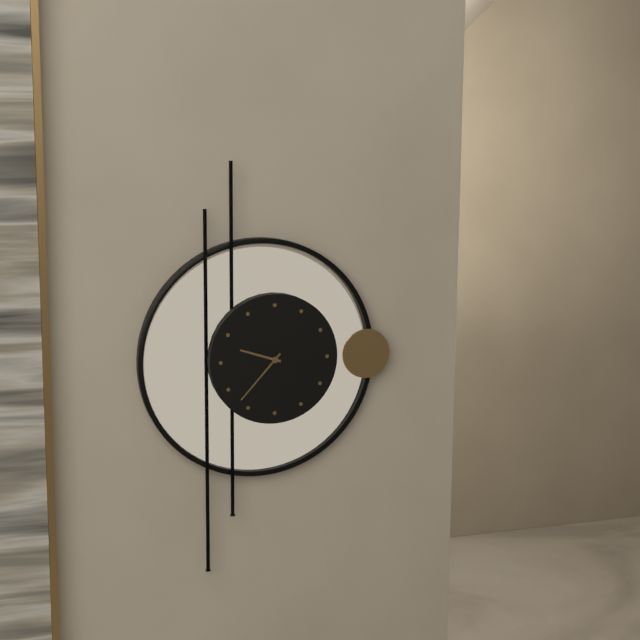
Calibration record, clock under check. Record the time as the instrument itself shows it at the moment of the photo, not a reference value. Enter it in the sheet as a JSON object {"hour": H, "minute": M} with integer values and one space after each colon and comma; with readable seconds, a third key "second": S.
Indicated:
{"hour": 9, "minute": 37}
